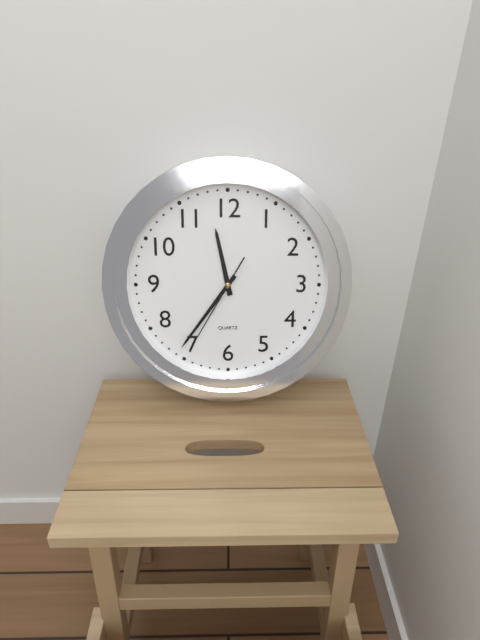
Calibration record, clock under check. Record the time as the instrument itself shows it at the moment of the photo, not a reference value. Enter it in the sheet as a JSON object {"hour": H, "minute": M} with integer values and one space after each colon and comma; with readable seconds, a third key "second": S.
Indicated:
{"hour": 11, "minute": 36, "second": 35}
